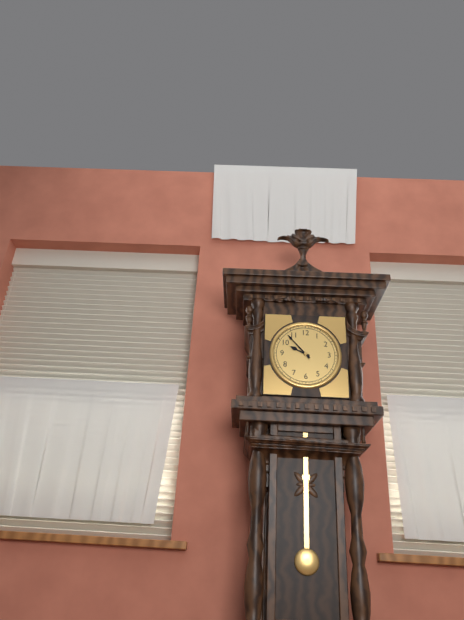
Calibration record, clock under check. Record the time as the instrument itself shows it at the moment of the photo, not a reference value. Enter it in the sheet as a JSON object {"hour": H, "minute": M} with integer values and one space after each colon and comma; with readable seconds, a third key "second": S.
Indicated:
{"hour": 9, "minute": 53}
